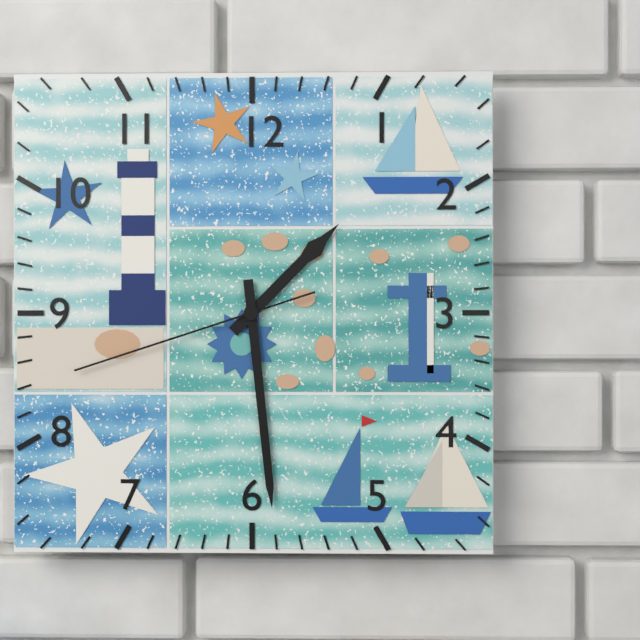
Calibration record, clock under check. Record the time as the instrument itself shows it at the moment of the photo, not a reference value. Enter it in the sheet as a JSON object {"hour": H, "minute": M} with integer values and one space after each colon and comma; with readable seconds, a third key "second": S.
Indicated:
{"hour": 1, "minute": 29, "second": 42}
